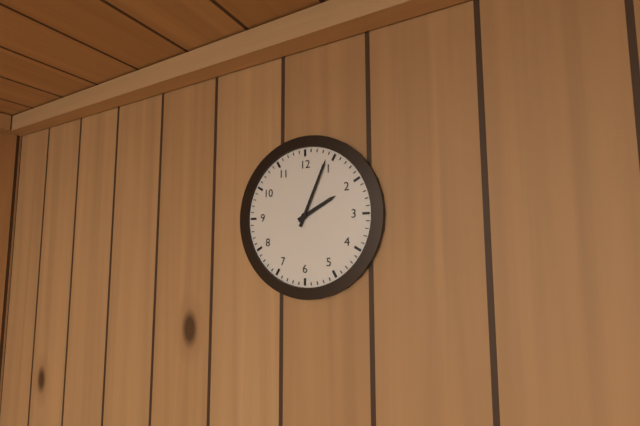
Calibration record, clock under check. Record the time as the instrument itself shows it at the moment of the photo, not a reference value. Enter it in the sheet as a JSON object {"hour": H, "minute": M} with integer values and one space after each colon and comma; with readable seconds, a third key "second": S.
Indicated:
{"hour": 2, "minute": 4}
